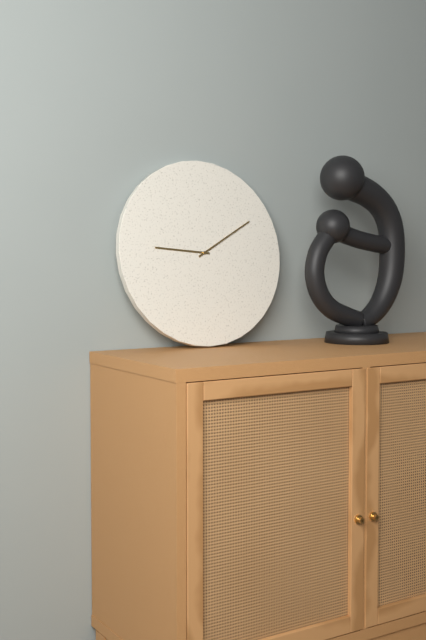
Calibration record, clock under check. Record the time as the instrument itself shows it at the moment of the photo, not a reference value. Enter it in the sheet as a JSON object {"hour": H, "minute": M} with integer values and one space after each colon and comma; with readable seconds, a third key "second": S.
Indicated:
{"hour": 9, "minute": 10}
